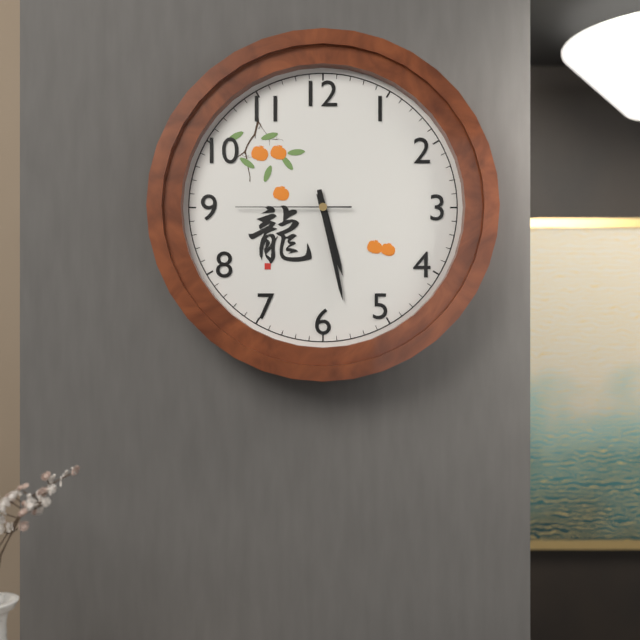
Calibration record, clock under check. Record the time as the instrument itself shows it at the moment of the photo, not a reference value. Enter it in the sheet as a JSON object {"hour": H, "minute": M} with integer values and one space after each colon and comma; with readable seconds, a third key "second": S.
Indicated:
{"hour": 5, "minute": 28, "second": 45}
